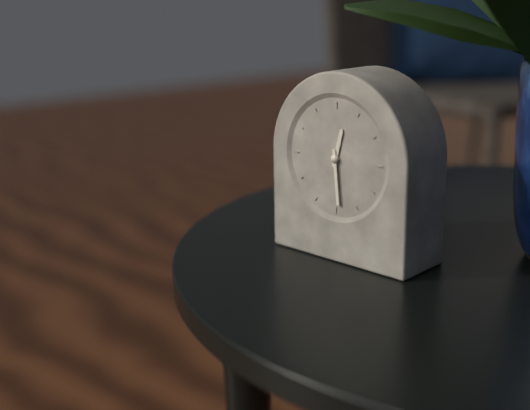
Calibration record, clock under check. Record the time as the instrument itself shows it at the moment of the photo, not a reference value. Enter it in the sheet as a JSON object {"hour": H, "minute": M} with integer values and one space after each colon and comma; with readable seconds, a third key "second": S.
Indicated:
{"hour": 12, "minute": 29}
